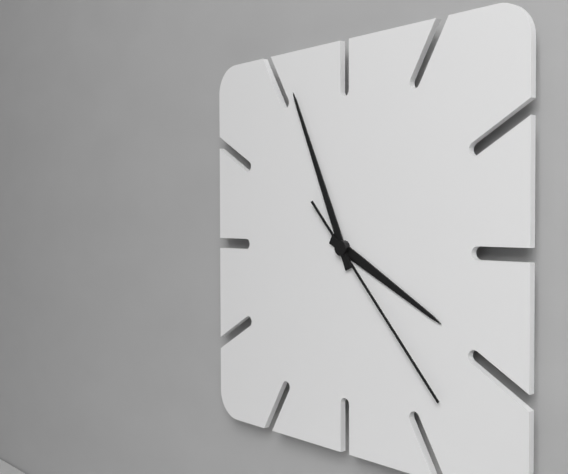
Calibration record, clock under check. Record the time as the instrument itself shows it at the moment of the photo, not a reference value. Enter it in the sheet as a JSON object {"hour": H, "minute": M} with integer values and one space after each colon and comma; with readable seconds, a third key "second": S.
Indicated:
{"hour": 3, "minute": 56, "second": 23}
